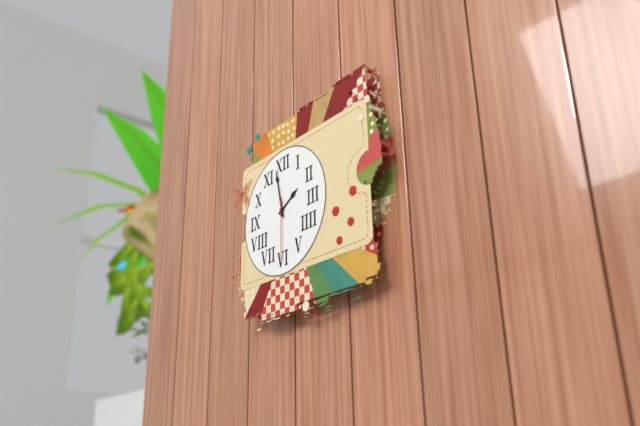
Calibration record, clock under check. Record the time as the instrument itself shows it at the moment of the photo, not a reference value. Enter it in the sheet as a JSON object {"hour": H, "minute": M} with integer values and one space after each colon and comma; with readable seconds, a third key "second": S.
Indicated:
{"hour": 1, "minute": 58, "second": 30}
